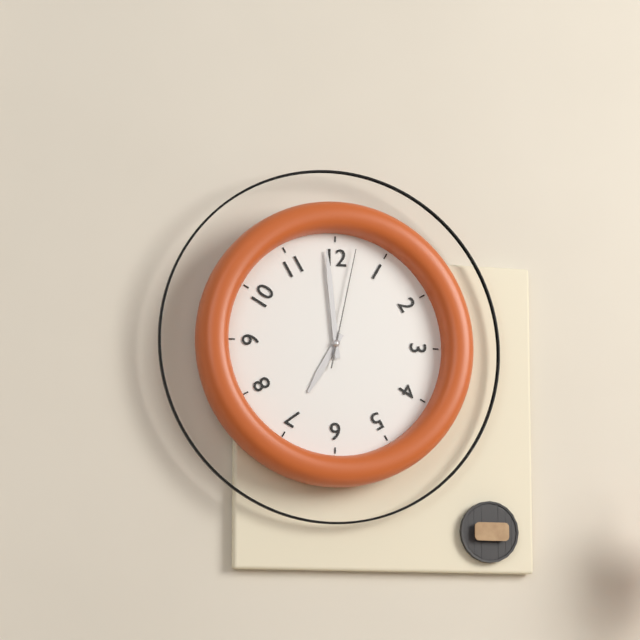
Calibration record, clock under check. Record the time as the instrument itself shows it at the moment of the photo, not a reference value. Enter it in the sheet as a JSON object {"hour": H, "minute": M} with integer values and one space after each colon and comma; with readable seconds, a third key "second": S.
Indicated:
{"hour": 6, "minute": 59, "second": 2}
